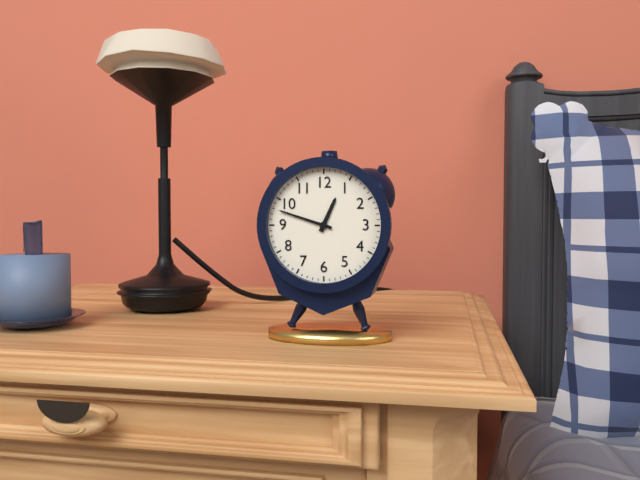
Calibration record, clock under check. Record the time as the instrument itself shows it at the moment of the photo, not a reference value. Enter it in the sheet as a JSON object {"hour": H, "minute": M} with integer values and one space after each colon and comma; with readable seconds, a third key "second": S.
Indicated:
{"hour": 12, "minute": 48}
